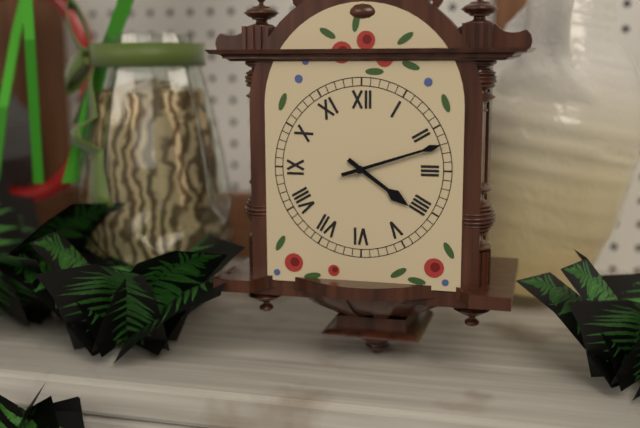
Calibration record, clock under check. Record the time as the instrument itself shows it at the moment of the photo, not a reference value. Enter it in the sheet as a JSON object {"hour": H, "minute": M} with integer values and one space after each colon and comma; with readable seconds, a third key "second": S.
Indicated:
{"hour": 4, "minute": 12}
